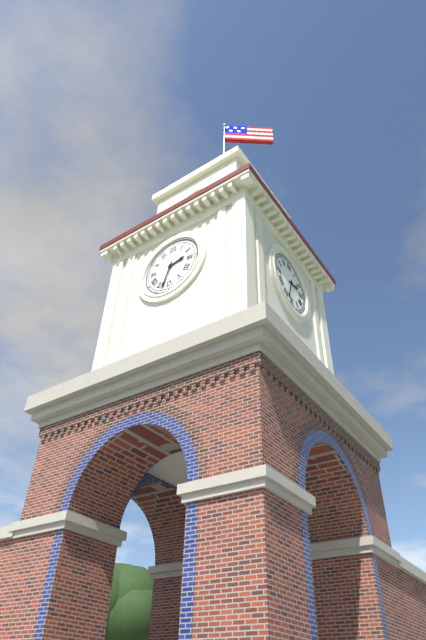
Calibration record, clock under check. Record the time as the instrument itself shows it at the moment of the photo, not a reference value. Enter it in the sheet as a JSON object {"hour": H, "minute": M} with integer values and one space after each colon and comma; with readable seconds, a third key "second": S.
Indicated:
{"hour": 2, "minute": 33}
